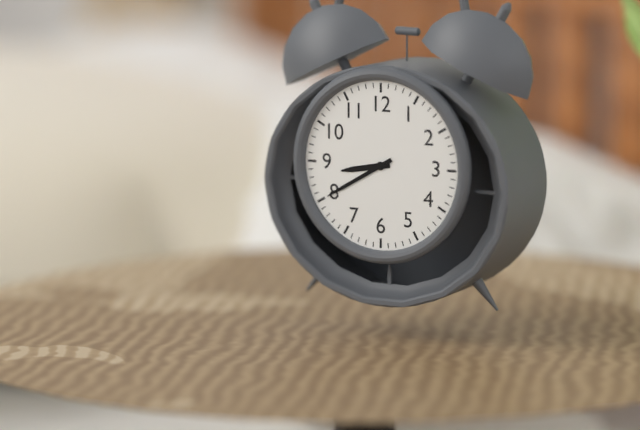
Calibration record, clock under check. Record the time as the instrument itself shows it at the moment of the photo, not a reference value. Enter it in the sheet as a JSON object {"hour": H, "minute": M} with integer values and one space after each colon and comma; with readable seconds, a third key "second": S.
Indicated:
{"hour": 8, "minute": 40}
